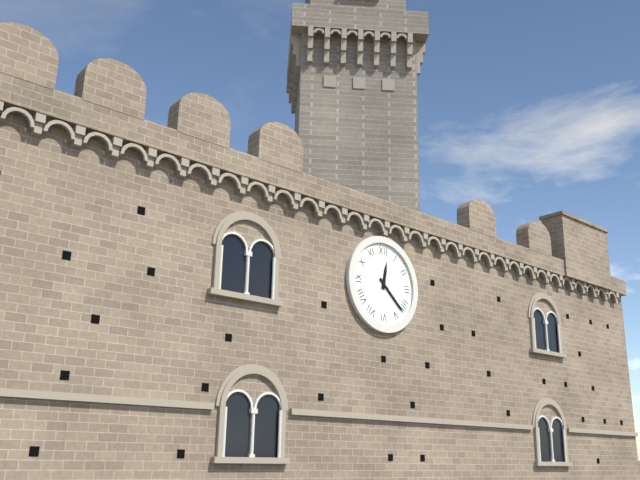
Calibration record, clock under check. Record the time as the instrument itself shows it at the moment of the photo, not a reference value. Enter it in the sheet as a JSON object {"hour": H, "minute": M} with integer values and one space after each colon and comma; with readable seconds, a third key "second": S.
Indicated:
{"hour": 12, "minute": 22}
